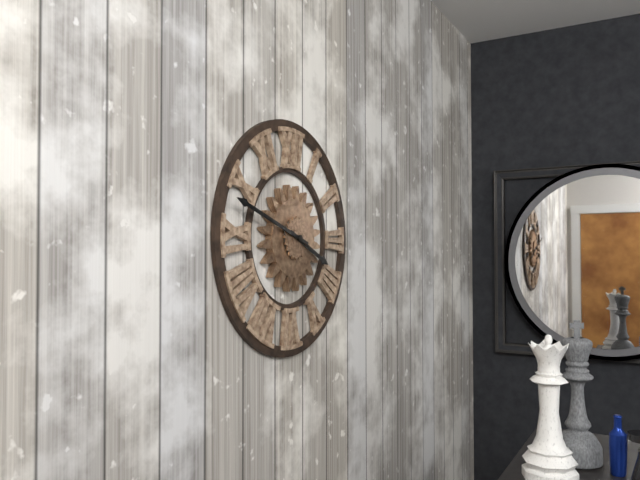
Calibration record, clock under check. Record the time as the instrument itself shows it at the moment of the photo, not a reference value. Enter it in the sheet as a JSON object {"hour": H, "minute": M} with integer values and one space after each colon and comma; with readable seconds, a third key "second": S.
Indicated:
{"hour": 3, "minute": 48}
